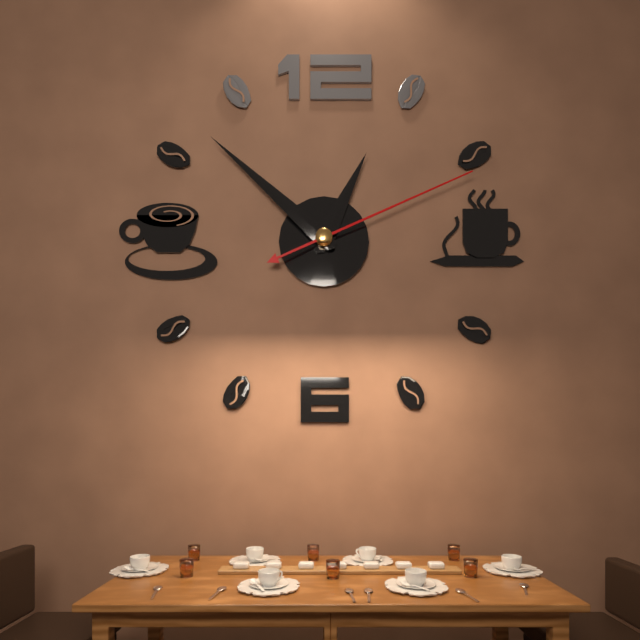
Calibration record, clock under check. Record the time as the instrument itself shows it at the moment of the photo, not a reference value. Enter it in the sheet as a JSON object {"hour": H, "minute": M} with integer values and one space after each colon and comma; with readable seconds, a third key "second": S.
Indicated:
{"hour": 12, "minute": 52, "second": 11}
